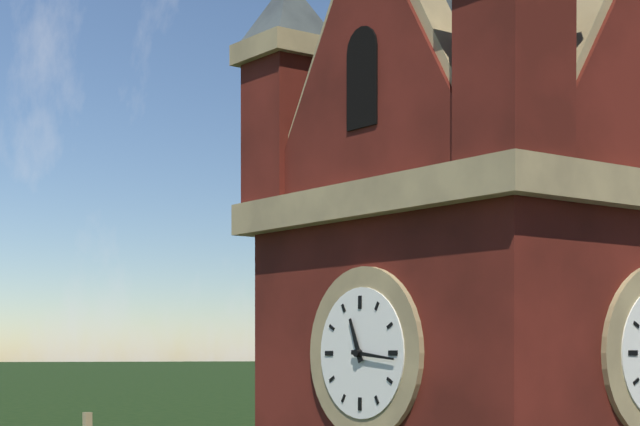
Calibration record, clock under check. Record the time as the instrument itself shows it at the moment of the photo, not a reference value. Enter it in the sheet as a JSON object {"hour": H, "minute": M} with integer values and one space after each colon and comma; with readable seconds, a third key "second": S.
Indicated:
{"hour": 11, "minute": 16}
